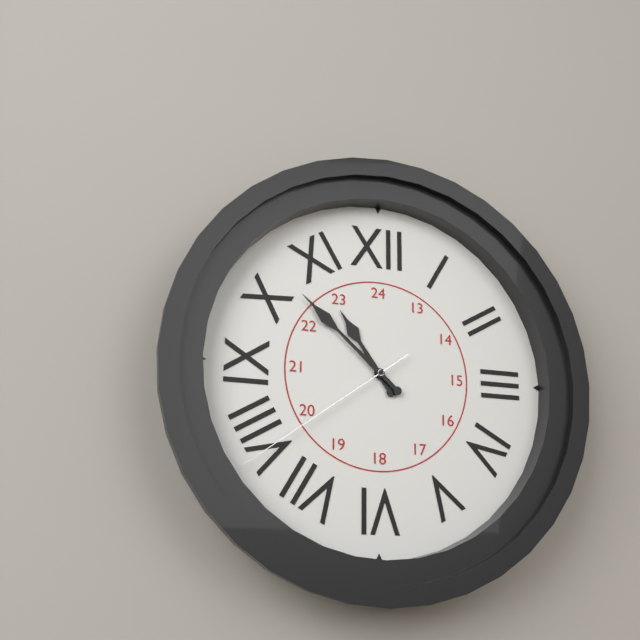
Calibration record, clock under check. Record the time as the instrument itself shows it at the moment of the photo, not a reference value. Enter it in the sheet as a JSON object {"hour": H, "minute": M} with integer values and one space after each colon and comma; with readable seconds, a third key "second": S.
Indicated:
{"hour": 10, "minute": 52, "second": 39}
